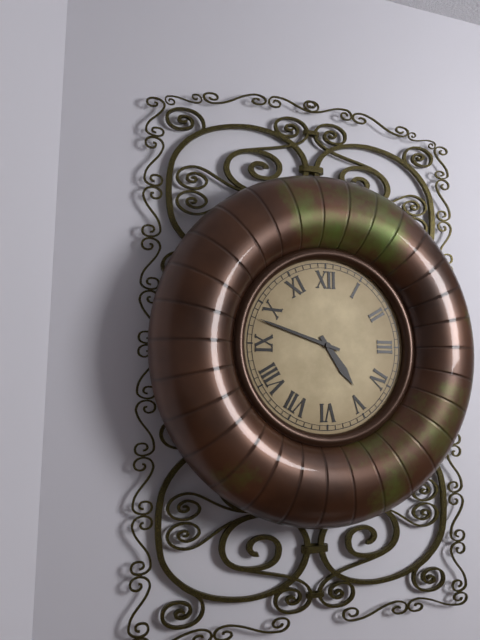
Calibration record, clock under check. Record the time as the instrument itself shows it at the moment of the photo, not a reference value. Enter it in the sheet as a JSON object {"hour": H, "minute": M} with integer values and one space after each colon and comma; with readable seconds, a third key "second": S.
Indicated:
{"hour": 4, "minute": 48}
